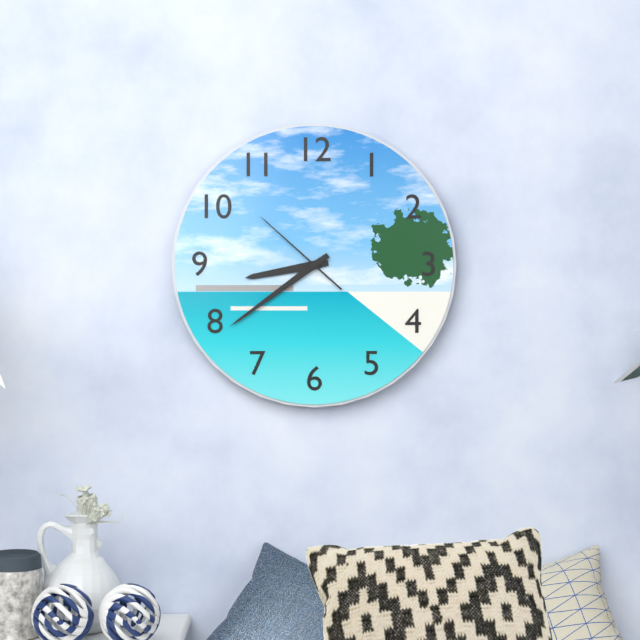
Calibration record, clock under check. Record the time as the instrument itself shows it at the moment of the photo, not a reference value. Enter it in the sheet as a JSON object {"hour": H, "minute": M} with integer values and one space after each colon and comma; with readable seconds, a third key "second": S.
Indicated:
{"hour": 8, "minute": 39, "second": 52}
